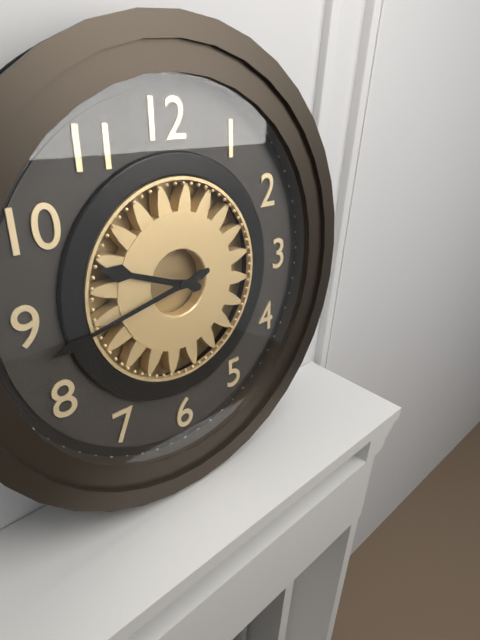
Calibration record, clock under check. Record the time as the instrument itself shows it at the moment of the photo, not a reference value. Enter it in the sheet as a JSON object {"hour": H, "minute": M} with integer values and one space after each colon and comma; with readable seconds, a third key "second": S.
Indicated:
{"hour": 9, "minute": 43}
